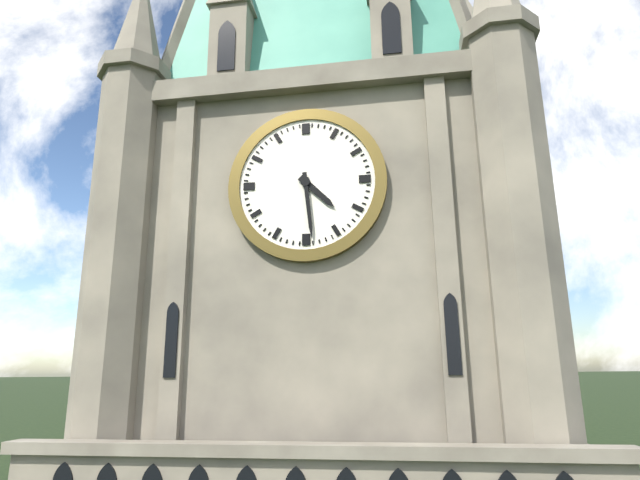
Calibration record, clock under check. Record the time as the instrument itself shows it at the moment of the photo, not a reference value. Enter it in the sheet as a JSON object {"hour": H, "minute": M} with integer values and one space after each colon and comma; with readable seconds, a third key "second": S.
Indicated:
{"hour": 4, "minute": 29}
